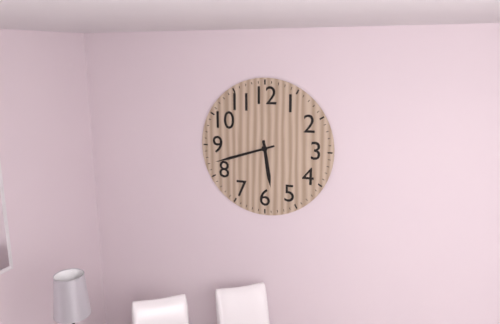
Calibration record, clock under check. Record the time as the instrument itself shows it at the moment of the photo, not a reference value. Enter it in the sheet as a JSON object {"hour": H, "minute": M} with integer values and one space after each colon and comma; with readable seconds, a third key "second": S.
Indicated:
{"hour": 5, "minute": 42}
